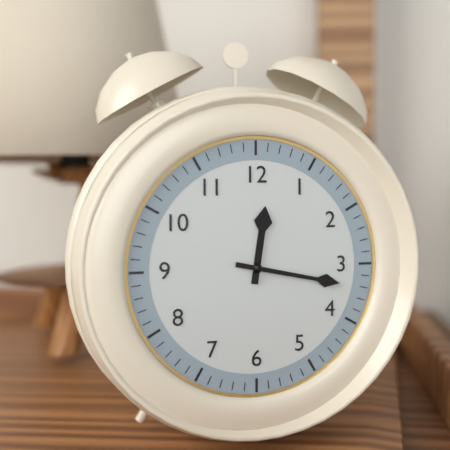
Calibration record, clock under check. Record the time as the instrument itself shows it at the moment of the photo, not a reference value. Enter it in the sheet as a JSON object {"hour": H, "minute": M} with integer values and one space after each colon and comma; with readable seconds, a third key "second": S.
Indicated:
{"hour": 12, "minute": 17}
